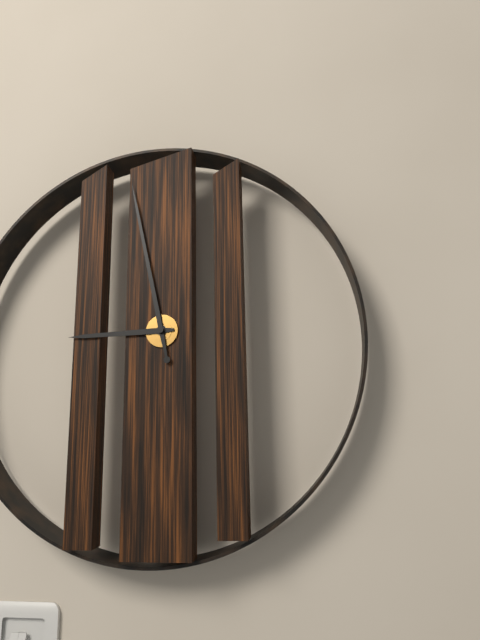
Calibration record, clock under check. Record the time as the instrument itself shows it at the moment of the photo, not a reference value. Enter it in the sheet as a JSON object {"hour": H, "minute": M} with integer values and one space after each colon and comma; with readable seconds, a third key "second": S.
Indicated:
{"hour": 8, "minute": 58}
